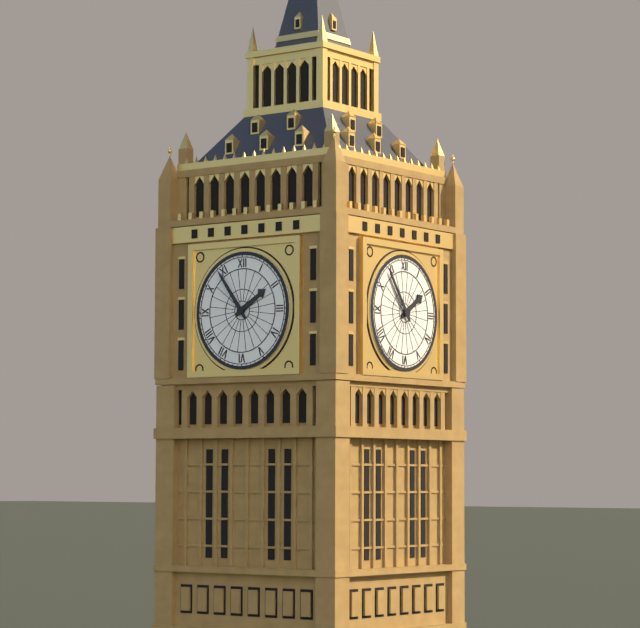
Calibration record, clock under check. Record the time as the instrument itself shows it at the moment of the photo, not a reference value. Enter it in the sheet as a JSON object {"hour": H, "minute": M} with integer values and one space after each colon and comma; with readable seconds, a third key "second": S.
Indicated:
{"hour": 1, "minute": 54}
